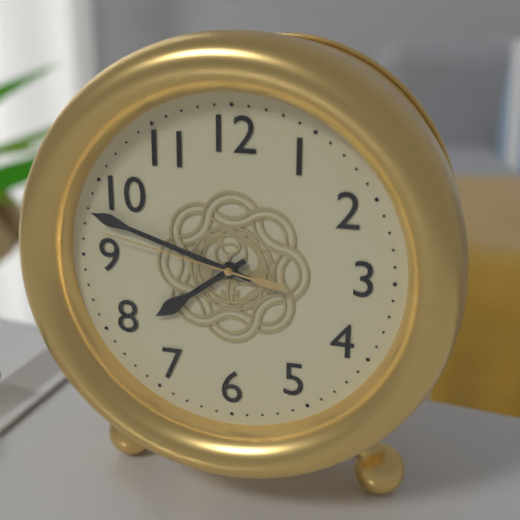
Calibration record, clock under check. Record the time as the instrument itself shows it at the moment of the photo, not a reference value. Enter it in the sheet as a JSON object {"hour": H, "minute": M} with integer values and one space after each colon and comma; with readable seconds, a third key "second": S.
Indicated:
{"hour": 7, "minute": 48, "second": 47}
